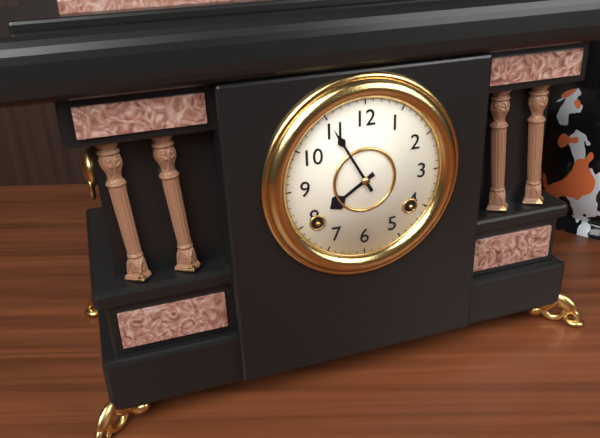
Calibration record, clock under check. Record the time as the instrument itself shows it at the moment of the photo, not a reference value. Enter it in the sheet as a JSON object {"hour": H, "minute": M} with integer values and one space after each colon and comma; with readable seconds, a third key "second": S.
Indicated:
{"hour": 7, "minute": 55}
